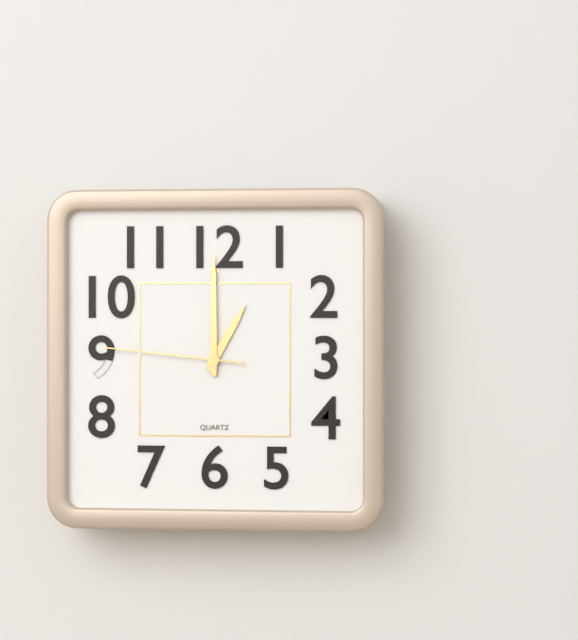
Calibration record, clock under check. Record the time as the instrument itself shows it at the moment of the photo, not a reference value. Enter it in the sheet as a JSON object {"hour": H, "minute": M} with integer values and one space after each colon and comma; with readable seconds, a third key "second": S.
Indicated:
{"hour": 1, "minute": 0, "second": 46}
